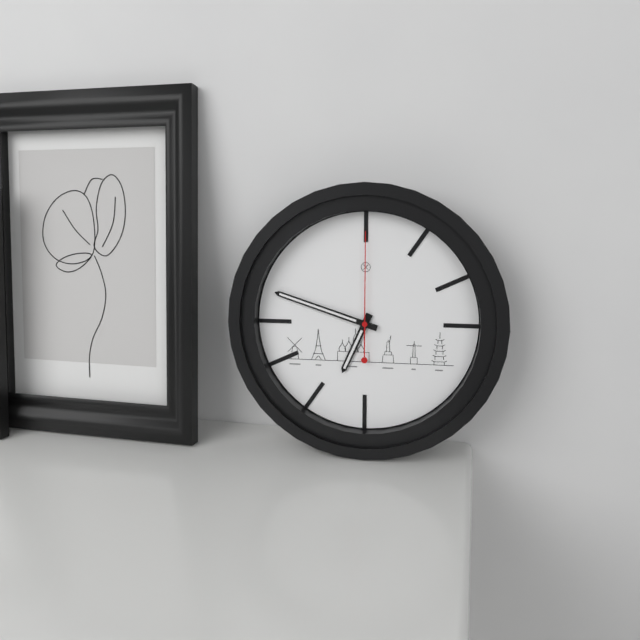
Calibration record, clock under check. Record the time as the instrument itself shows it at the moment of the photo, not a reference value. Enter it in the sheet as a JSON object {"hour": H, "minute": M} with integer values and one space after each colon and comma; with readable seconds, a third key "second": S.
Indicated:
{"hour": 6, "minute": 48, "second": 0}
